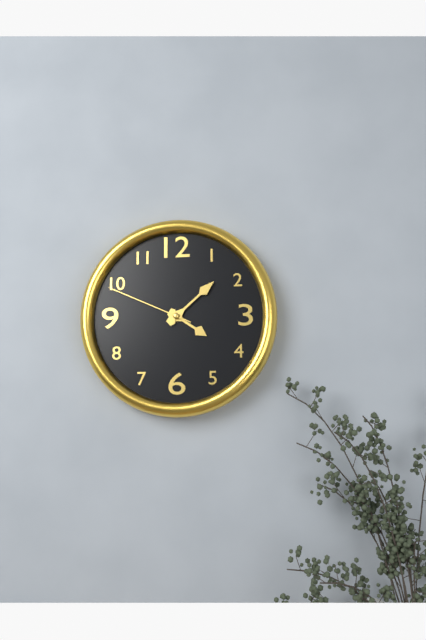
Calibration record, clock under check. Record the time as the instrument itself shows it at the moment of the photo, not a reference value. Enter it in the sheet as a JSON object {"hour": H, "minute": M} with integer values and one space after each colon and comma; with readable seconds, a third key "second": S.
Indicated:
{"hour": 4, "minute": 8, "second": 49}
